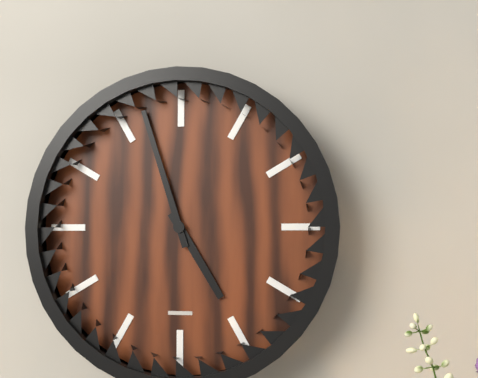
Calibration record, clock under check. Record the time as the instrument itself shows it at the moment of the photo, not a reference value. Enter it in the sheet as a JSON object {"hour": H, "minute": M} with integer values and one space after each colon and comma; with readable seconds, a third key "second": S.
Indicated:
{"hour": 4, "minute": 57}
